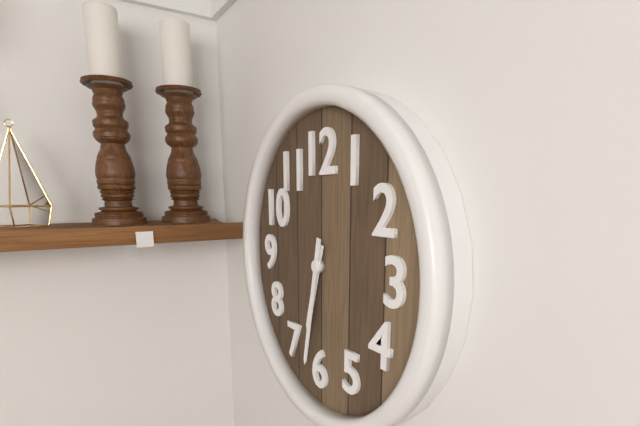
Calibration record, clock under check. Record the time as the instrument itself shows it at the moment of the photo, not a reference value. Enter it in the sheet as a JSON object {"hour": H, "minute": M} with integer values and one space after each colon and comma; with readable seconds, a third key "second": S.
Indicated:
{"hour": 6, "minute": 32}
